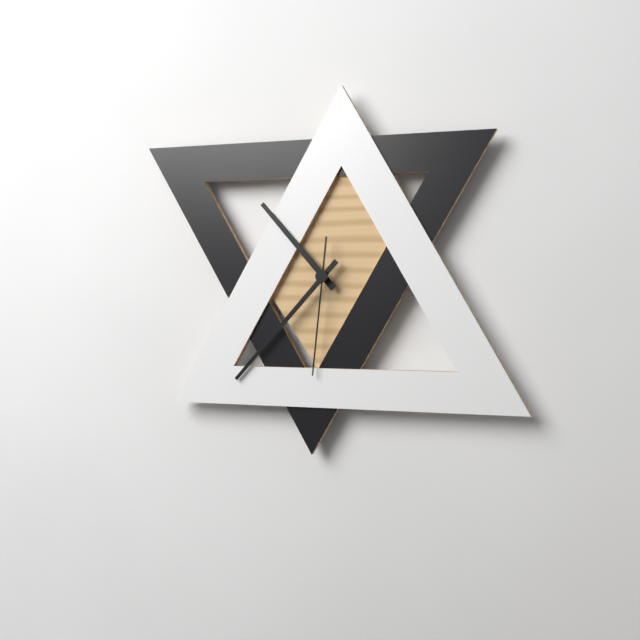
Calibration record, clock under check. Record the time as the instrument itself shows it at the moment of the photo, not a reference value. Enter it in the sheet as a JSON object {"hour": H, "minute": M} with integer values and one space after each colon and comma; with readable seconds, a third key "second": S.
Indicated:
{"hour": 10, "minute": 37, "second": 31}
